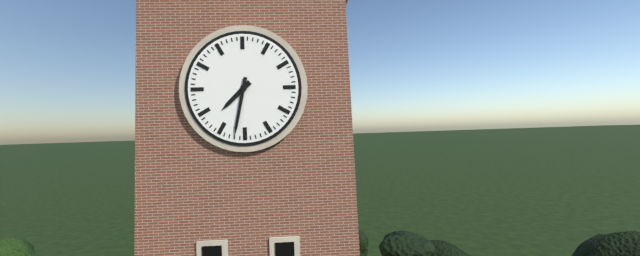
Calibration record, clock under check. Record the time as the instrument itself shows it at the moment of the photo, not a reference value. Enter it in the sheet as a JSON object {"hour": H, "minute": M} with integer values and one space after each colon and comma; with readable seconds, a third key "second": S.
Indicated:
{"hour": 7, "minute": 32}
